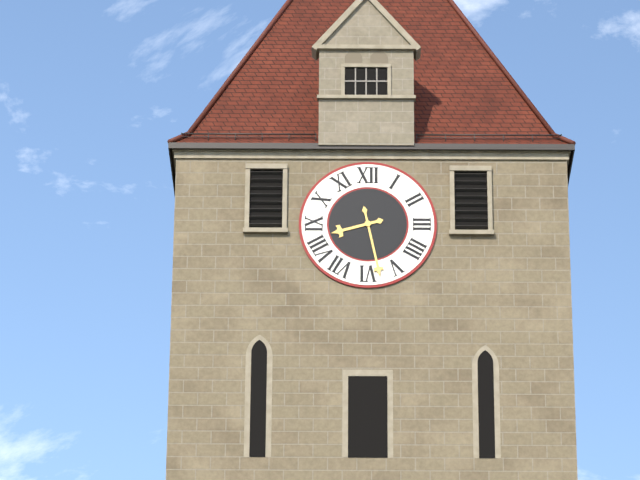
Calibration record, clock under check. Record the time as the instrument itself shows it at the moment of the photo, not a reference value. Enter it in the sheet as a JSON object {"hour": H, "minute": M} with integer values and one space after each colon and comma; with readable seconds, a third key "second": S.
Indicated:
{"hour": 8, "minute": 28}
